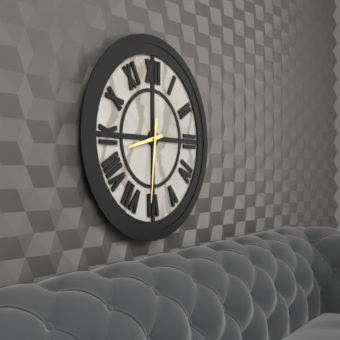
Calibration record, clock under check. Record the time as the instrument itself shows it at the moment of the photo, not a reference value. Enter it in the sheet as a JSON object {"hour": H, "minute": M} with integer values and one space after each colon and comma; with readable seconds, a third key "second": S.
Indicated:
{"hour": 8, "minute": 31}
